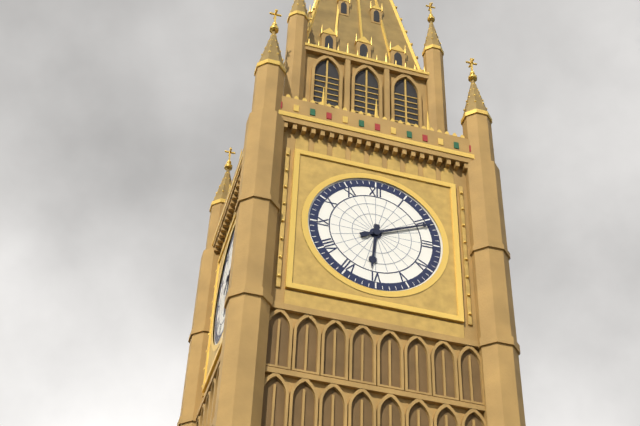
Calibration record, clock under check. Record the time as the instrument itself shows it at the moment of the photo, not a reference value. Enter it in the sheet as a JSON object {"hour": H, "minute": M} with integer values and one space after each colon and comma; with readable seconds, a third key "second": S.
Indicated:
{"hour": 6, "minute": 11}
